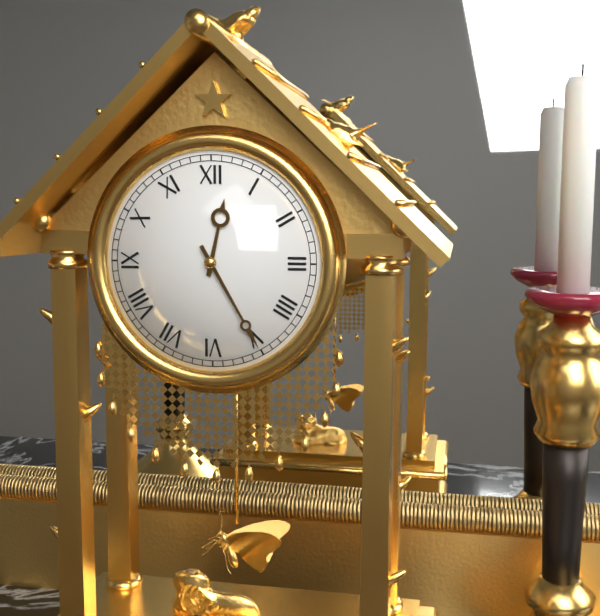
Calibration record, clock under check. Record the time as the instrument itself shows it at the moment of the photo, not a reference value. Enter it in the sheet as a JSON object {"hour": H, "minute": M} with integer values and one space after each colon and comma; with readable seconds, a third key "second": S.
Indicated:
{"hour": 12, "minute": 25}
